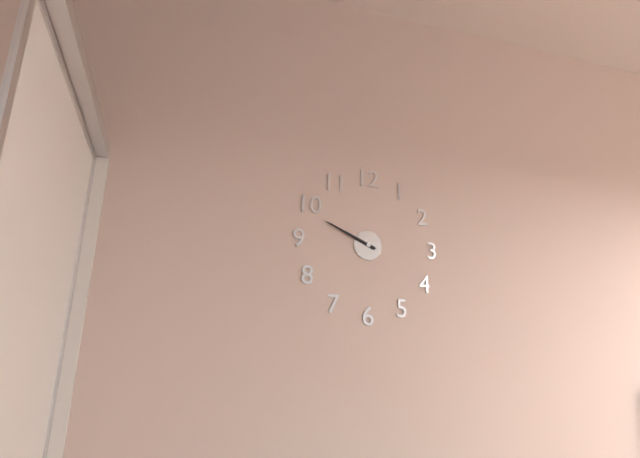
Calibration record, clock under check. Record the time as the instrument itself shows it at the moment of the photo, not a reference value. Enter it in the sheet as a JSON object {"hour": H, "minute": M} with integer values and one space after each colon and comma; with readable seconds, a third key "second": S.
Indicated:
{"hour": 9, "minute": 49}
